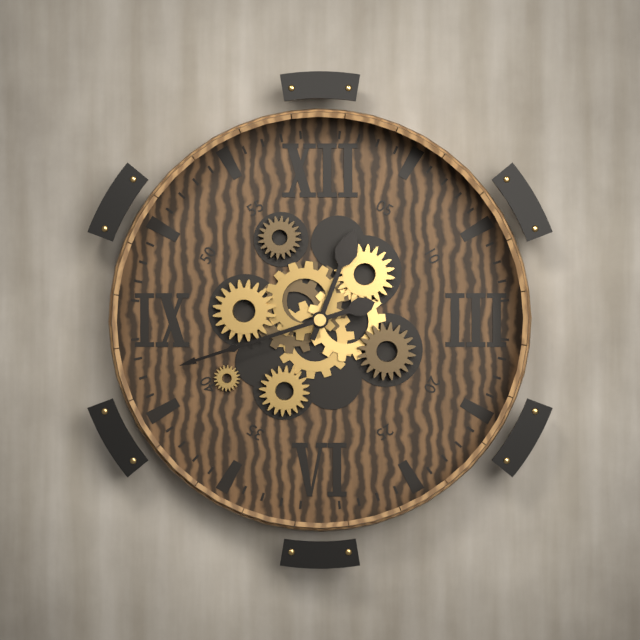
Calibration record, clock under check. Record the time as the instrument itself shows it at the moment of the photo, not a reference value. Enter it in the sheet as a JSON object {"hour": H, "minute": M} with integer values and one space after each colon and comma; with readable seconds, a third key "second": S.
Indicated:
{"hour": 12, "minute": 42}
